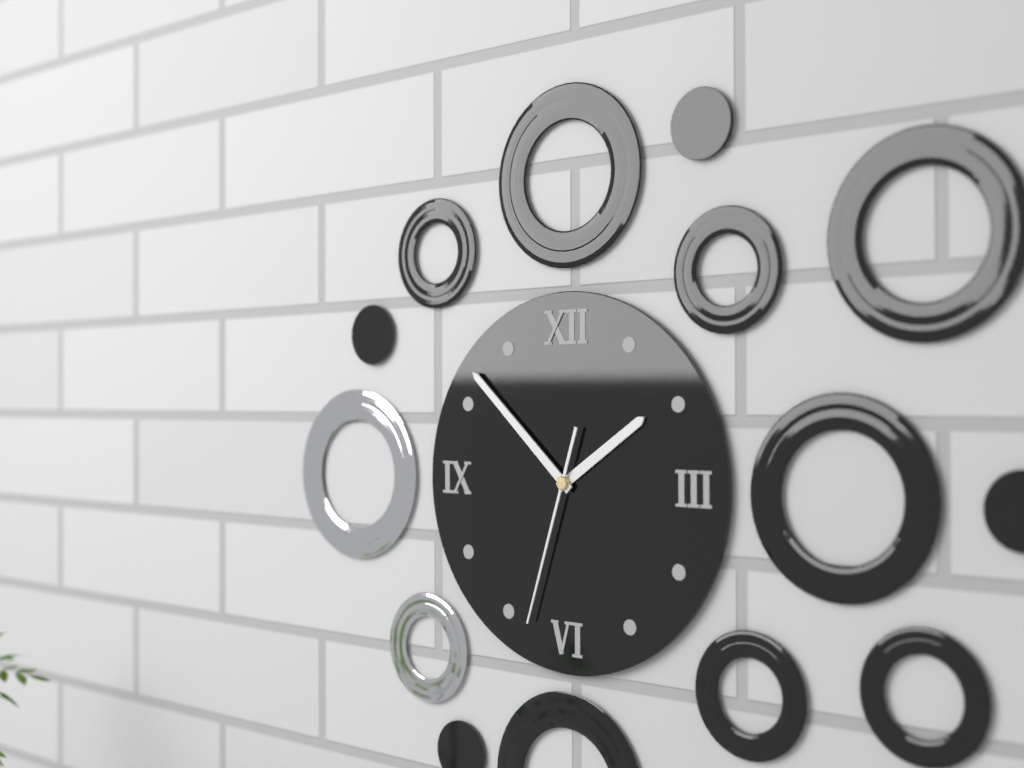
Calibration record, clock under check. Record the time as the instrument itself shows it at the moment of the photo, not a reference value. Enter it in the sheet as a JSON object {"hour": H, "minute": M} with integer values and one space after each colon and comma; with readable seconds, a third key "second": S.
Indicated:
{"hour": 1, "minute": 52, "second": 33}
